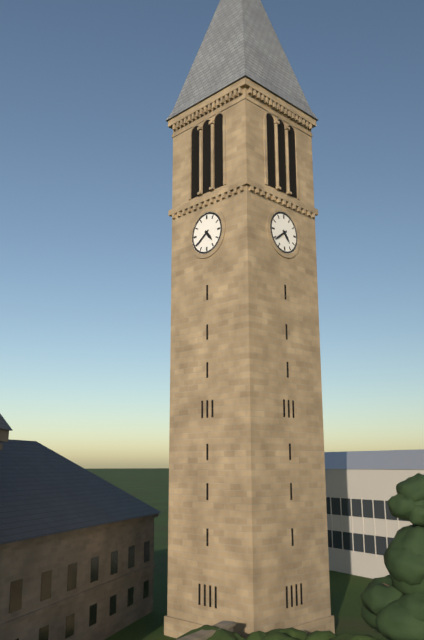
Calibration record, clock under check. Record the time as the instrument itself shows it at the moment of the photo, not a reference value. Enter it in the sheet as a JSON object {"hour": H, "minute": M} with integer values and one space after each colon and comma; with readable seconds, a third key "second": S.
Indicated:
{"hour": 4, "minute": 39}
